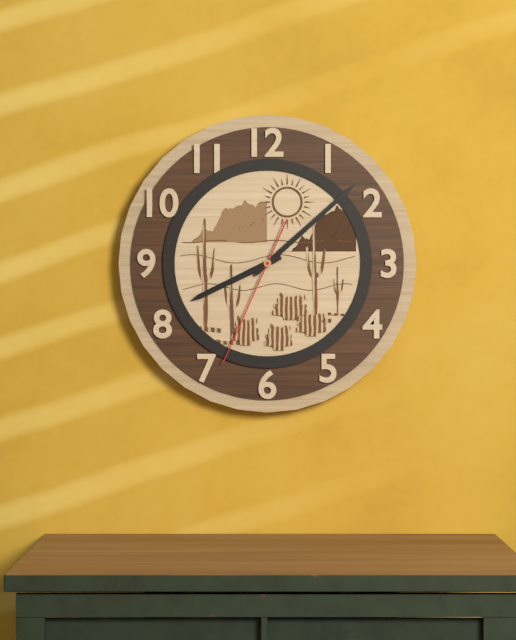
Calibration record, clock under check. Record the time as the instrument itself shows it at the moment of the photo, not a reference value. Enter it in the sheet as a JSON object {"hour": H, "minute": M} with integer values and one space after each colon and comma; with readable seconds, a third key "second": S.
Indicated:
{"hour": 8, "minute": 8, "second": 34}
